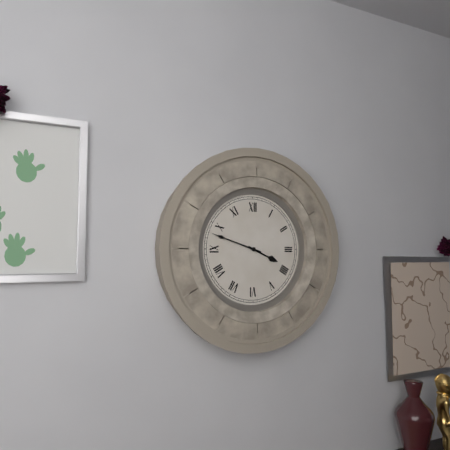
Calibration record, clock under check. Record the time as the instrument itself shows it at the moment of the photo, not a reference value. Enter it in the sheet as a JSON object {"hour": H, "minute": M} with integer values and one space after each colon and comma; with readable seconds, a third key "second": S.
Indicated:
{"hour": 3, "minute": 48}
